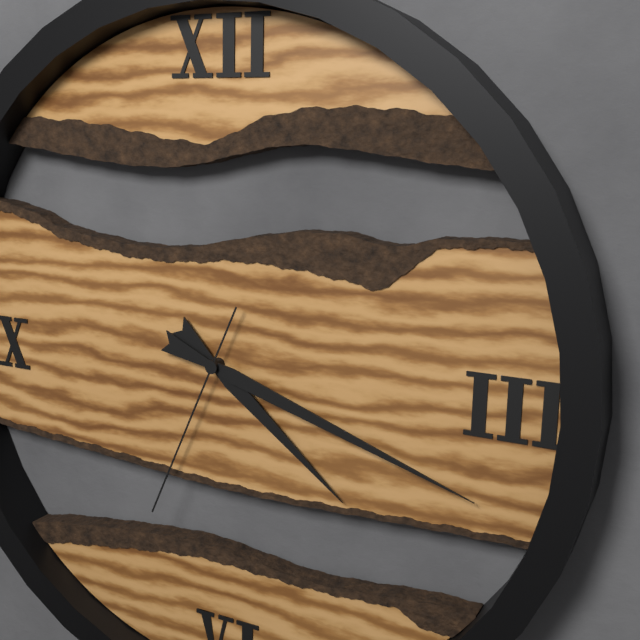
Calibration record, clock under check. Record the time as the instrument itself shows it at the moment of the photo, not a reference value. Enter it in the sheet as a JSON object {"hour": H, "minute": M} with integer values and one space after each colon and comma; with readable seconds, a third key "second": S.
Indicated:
{"hour": 4, "minute": 18, "second": 34}
